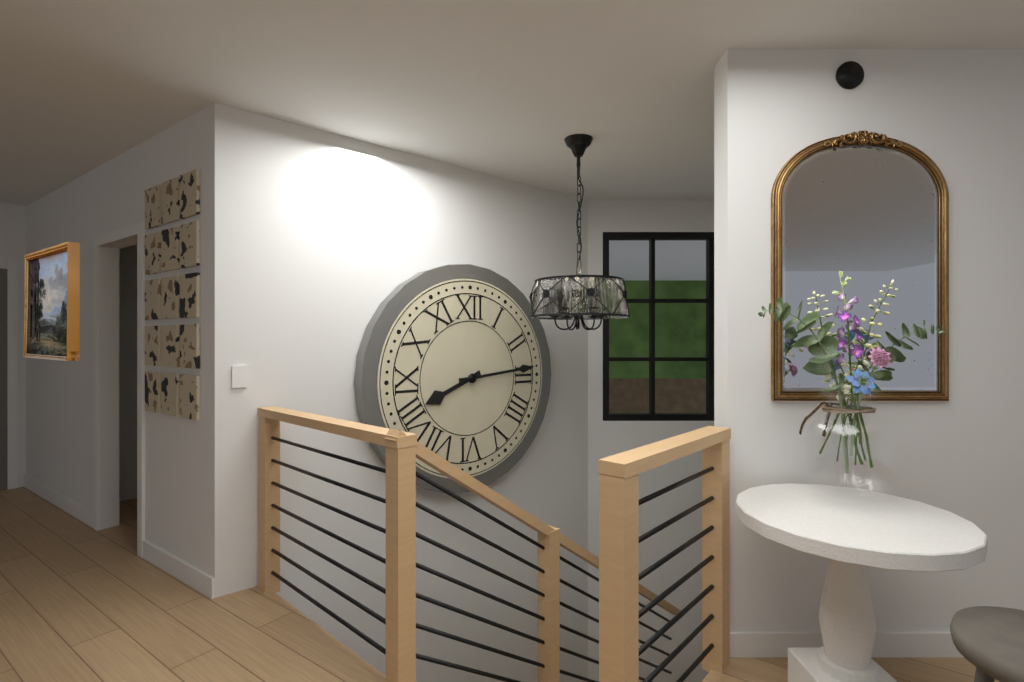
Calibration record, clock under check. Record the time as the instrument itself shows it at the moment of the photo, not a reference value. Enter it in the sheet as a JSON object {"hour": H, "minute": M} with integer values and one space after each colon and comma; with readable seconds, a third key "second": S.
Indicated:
{"hour": 8, "minute": 14}
